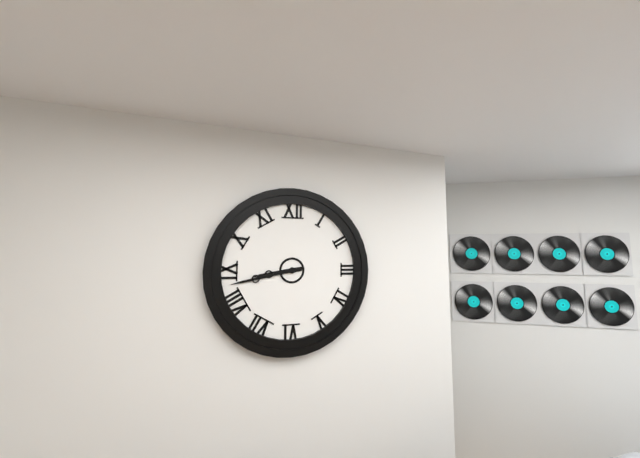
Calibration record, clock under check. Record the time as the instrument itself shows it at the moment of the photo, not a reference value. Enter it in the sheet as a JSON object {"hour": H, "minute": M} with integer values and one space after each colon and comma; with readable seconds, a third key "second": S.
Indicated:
{"hour": 8, "minute": 43}
